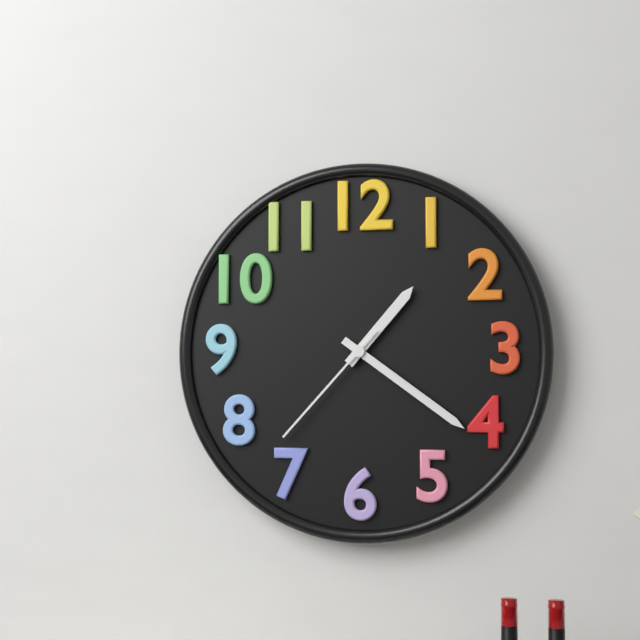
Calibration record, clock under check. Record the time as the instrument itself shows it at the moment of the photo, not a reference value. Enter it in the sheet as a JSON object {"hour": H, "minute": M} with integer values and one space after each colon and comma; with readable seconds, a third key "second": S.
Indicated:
{"hour": 1, "minute": 21, "second": 37}
